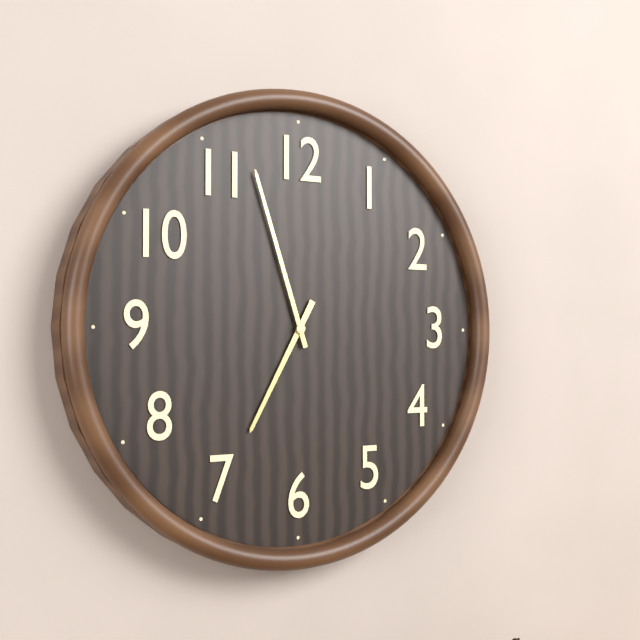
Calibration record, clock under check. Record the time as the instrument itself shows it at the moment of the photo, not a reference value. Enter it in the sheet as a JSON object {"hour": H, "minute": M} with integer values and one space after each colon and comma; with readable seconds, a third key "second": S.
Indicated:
{"hour": 6, "minute": 57}
